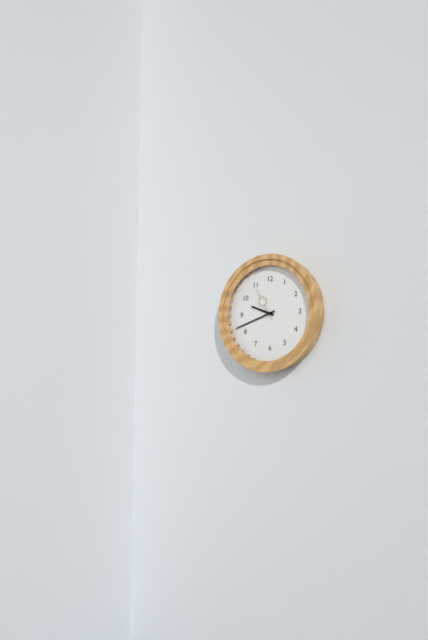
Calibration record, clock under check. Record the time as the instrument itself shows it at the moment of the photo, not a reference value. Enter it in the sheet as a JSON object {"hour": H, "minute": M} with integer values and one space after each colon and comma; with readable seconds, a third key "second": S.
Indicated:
{"hour": 9, "minute": 42}
